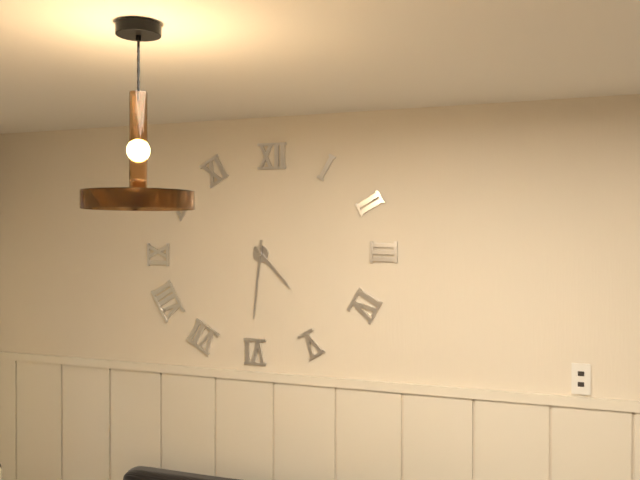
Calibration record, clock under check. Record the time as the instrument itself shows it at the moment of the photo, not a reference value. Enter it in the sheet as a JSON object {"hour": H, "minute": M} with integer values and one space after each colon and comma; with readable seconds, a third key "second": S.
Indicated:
{"hour": 4, "minute": 31}
